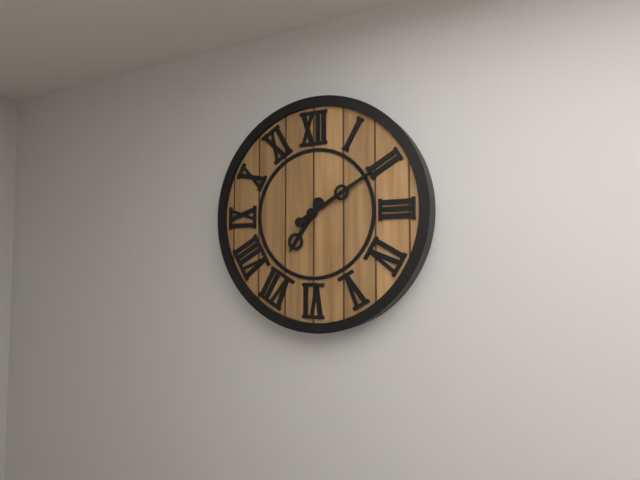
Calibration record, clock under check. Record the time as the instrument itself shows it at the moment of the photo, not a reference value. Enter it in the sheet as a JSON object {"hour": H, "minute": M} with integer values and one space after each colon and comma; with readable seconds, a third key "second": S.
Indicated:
{"hour": 7, "minute": 10}
